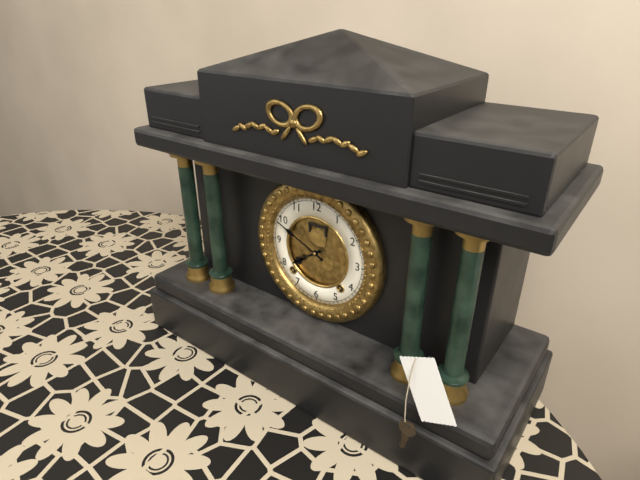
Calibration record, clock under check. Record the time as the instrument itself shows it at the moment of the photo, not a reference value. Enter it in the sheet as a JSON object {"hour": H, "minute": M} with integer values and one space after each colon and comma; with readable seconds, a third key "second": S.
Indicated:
{"hour": 7, "minute": 49}
